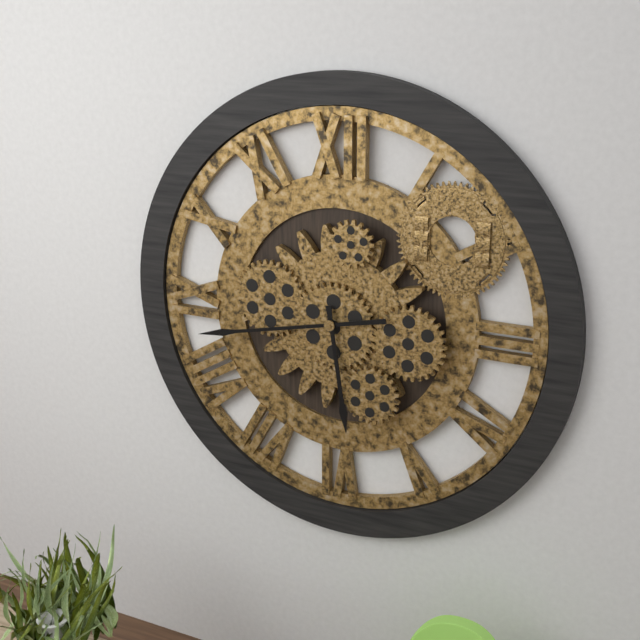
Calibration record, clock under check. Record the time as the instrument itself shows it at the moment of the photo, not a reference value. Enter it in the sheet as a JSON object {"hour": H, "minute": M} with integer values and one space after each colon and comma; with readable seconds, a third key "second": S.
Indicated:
{"hour": 5, "minute": 43}
